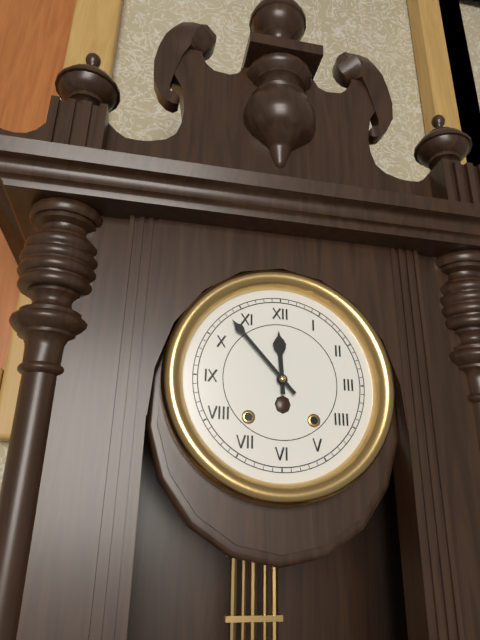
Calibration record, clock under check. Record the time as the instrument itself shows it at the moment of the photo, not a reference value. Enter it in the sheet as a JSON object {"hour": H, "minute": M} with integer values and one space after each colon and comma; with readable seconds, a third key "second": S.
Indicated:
{"hour": 11, "minute": 53}
